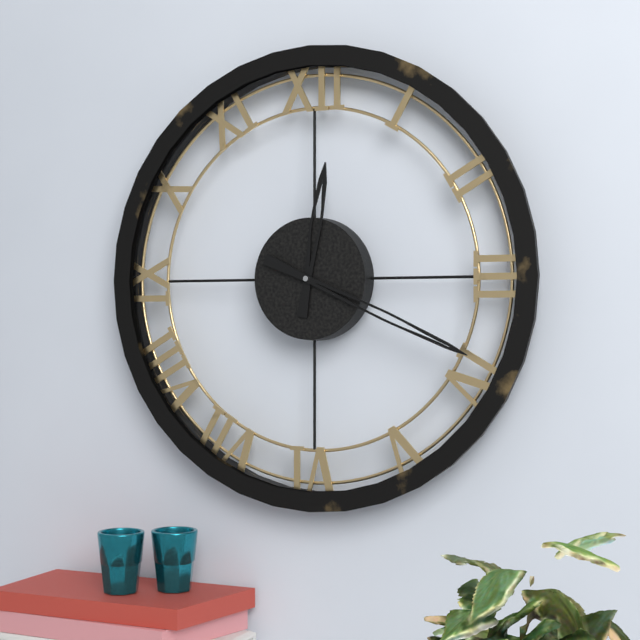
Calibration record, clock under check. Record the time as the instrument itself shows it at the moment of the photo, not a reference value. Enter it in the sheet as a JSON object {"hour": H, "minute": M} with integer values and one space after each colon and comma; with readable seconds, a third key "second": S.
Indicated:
{"hour": 12, "minute": 19}
